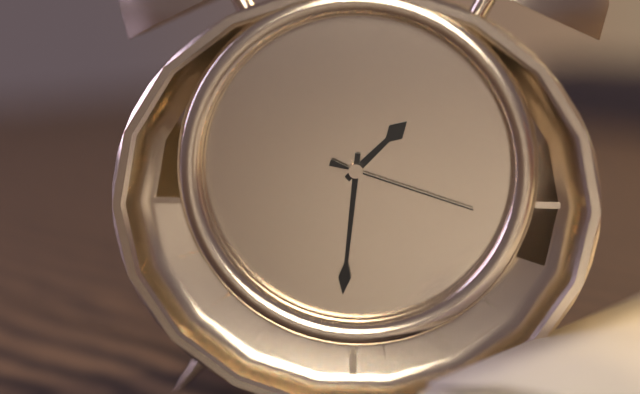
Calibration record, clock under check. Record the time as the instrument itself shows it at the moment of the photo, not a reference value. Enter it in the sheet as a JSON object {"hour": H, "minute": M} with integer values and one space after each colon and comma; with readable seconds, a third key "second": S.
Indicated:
{"hour": 1, "minute": 31, "second": 18}
